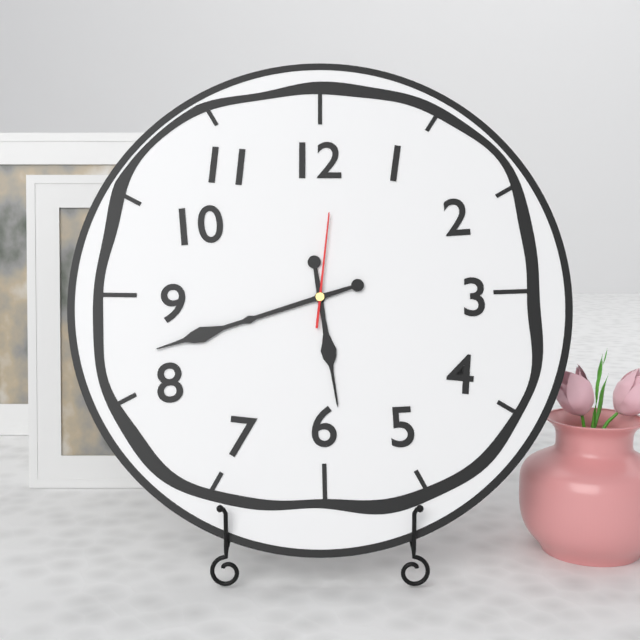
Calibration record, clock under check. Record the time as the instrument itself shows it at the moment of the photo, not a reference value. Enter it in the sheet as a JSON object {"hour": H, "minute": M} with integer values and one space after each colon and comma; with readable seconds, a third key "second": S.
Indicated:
{"hour": 5, "minute": 42, "second": 1}
